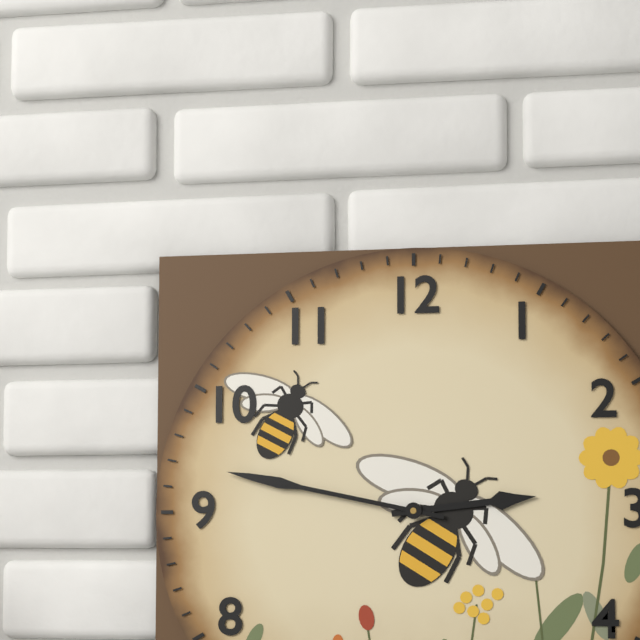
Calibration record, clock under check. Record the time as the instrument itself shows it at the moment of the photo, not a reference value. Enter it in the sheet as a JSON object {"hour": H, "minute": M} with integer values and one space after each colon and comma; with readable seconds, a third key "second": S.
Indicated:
{"hour": 2, "minute": 47}
